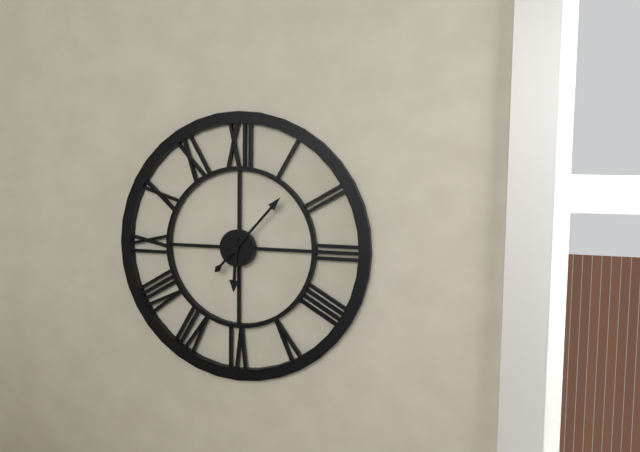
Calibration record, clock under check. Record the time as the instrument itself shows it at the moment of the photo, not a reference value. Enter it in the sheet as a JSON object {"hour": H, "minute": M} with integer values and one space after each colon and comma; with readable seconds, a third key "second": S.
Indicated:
{"hour": 6, "minute": 7}
